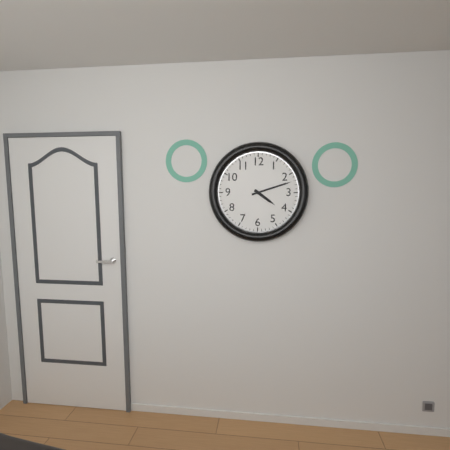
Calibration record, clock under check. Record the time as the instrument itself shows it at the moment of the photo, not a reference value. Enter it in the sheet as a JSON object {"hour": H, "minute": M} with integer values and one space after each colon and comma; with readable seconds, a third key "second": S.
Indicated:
{"hour": 4, "minute": 12}
